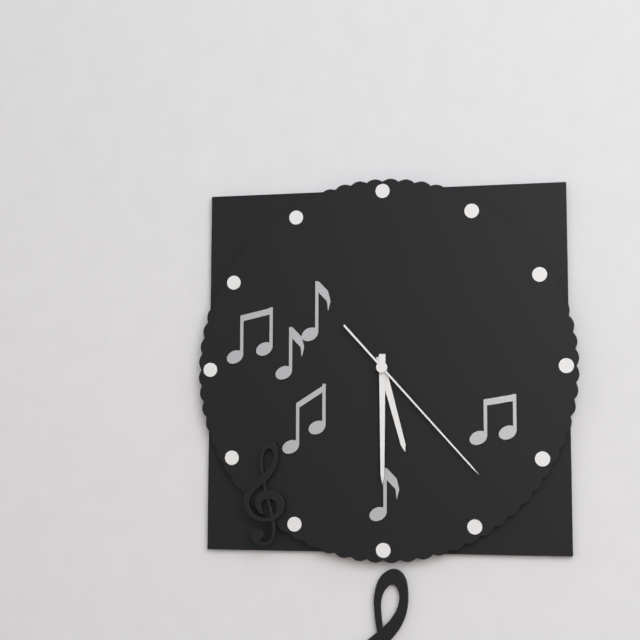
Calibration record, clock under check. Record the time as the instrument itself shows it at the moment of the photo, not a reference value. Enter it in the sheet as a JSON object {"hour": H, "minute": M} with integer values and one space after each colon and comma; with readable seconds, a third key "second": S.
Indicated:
{"hour": 5, "minute": 30, "second": 23}
